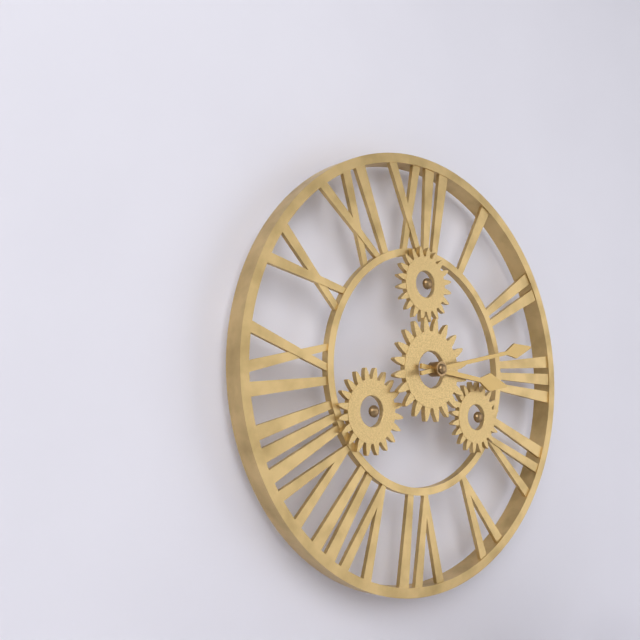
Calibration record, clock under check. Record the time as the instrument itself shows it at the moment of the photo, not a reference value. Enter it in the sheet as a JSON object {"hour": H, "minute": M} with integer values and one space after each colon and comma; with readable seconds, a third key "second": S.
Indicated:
{"hour": 3, "minute": 13}
